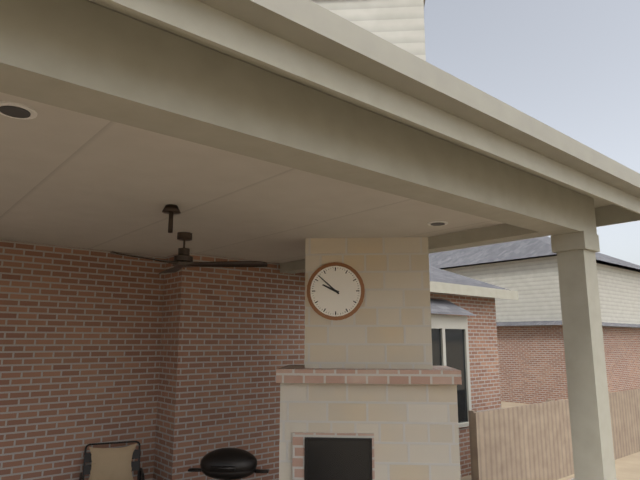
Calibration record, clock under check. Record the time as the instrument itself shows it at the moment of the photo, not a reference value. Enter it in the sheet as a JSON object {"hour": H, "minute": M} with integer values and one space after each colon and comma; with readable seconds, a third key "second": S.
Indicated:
{"hour": 9, "minute": 52}
